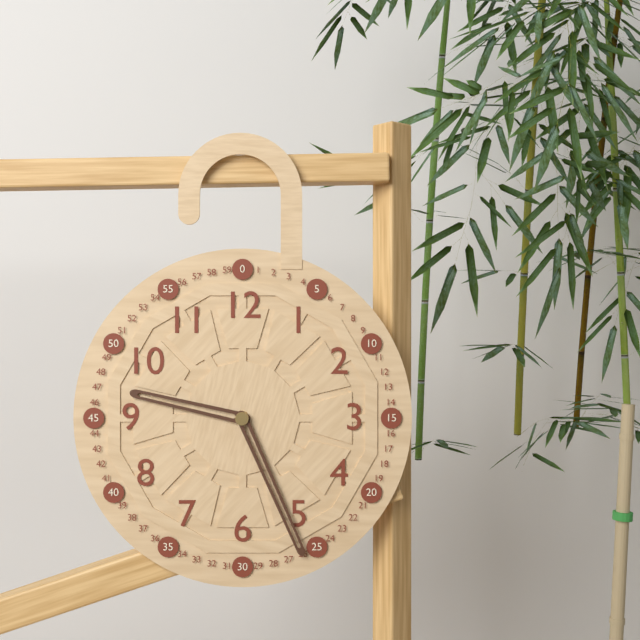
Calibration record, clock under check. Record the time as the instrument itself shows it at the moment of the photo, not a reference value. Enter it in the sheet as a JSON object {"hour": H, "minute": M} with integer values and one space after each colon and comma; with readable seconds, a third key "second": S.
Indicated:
{"hour": 9, "minute": 26}
